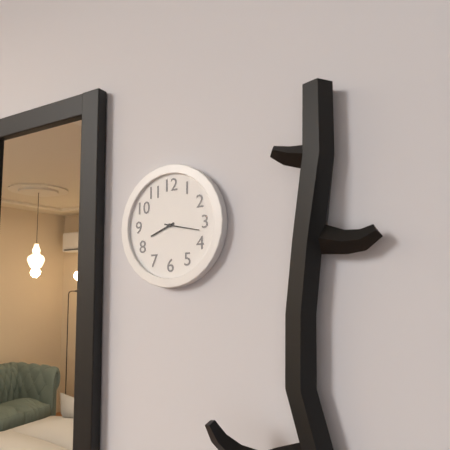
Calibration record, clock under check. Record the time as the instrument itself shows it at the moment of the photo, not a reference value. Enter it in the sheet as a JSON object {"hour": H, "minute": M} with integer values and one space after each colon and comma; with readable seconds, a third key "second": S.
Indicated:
{"hour": 8, "minute": 17}
